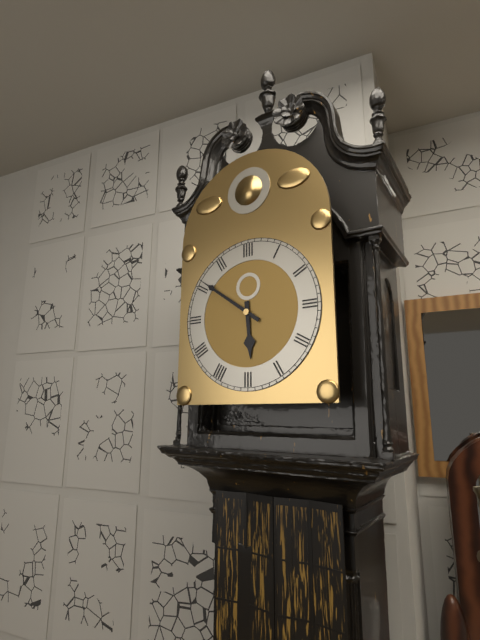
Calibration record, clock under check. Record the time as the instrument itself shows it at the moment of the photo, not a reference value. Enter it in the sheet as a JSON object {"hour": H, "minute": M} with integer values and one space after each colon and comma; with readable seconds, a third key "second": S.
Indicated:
{"hour": 5, "minute": 51}
